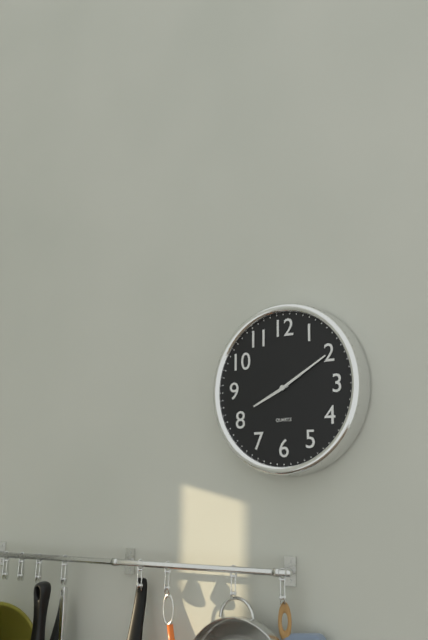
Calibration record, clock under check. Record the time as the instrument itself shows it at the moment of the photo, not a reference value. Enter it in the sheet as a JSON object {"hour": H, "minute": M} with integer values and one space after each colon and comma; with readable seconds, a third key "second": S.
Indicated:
{"hour": 8, "minute": 10}
